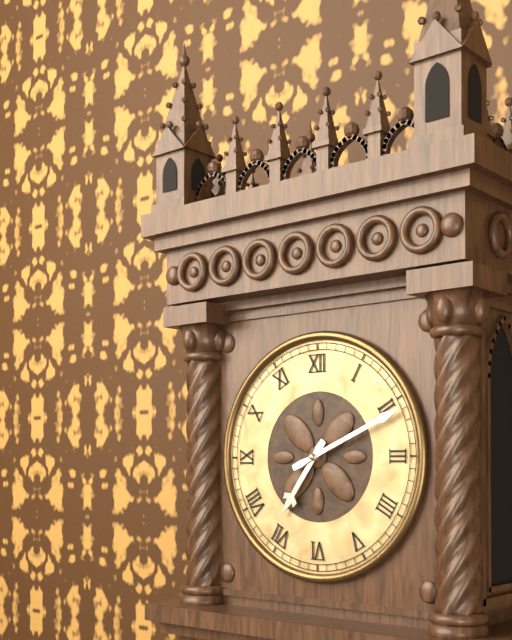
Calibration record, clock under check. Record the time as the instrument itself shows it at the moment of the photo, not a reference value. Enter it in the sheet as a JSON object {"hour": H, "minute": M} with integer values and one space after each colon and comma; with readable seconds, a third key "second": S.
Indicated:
{"hour": 7, "minute": 11}
